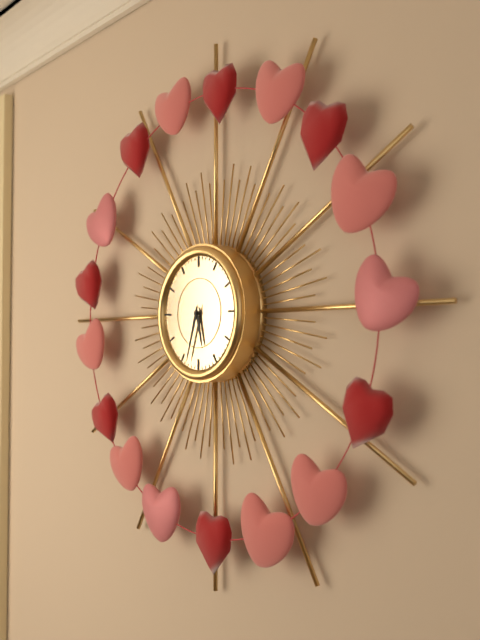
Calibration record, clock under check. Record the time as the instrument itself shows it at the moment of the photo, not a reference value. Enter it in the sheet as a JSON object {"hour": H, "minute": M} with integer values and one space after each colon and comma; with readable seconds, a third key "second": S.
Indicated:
{"hour": 5, "minute": 33}
